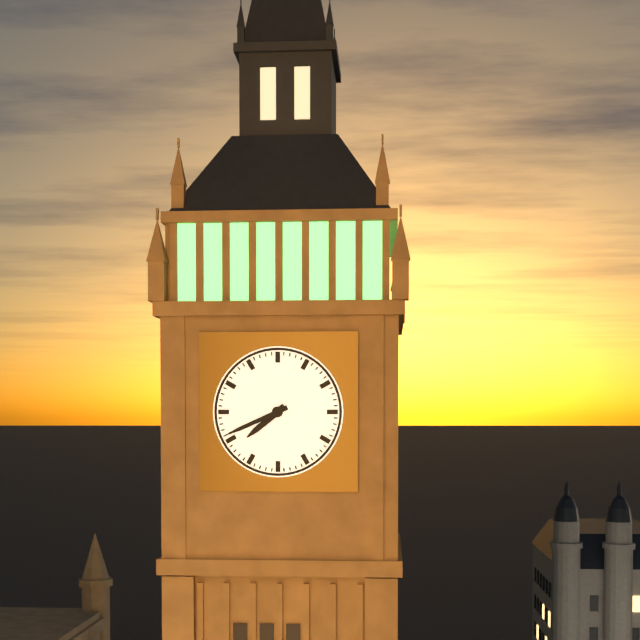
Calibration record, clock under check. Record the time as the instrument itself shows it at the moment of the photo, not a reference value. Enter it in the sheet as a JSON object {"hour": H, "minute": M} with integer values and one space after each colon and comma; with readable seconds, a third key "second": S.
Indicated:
{"hour": 7, "minute": 41}
